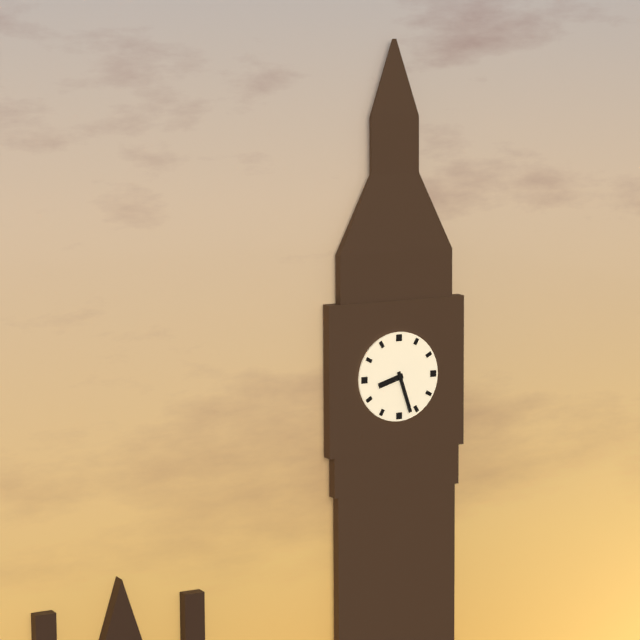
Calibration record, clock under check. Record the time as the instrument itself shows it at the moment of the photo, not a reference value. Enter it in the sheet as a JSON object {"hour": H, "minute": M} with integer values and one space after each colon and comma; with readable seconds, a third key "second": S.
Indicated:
{"hour": 8, "minute": 27}
